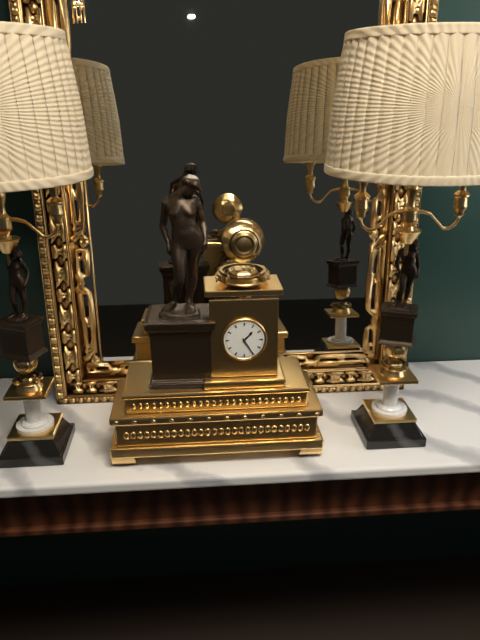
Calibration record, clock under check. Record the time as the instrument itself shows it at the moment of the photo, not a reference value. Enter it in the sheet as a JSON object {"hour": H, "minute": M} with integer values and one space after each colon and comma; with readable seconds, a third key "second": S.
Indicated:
{"hour": 1, "minute": 25}
